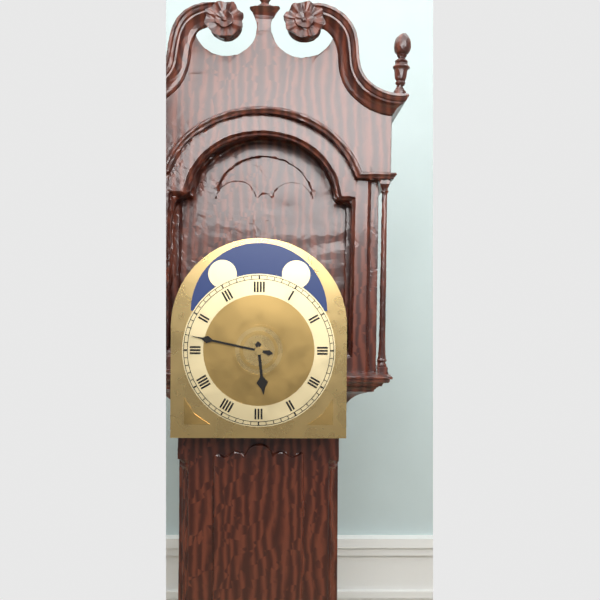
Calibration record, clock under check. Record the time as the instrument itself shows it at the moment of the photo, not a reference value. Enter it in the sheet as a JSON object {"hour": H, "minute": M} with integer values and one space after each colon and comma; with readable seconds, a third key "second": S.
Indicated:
{"hour": 5, "minute": 47}
